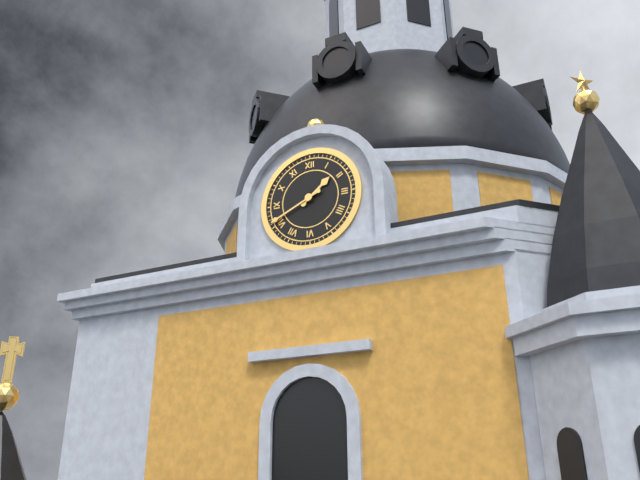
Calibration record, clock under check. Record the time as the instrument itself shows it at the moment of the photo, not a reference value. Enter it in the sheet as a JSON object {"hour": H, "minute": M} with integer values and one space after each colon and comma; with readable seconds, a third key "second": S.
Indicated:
{"hour": 1, "minute": 41}
